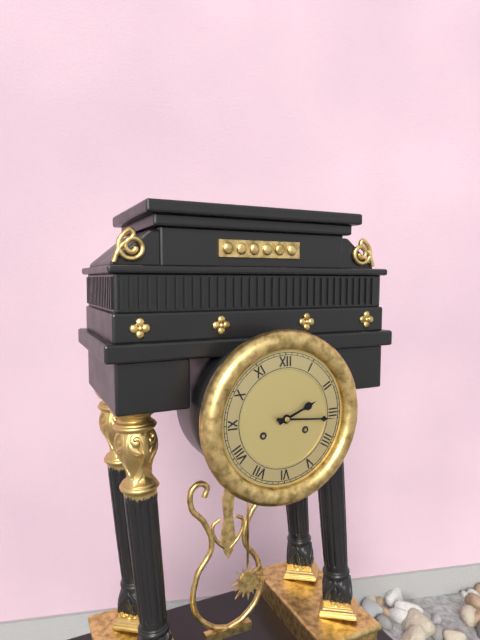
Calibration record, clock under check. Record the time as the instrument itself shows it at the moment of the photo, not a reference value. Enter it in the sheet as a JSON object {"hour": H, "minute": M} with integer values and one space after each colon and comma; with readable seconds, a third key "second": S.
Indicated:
{"hour": 2, "minute": 16}
